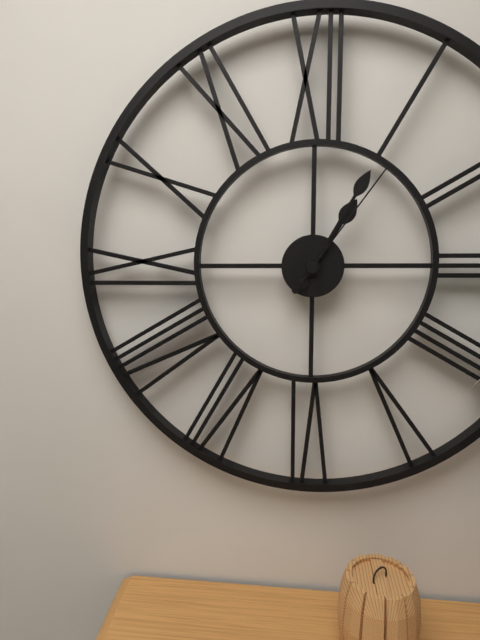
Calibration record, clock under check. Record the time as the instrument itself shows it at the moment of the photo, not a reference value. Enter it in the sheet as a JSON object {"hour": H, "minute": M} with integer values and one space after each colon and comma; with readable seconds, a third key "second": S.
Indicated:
{"hour": 1, "minute": 5, "second": 6}
